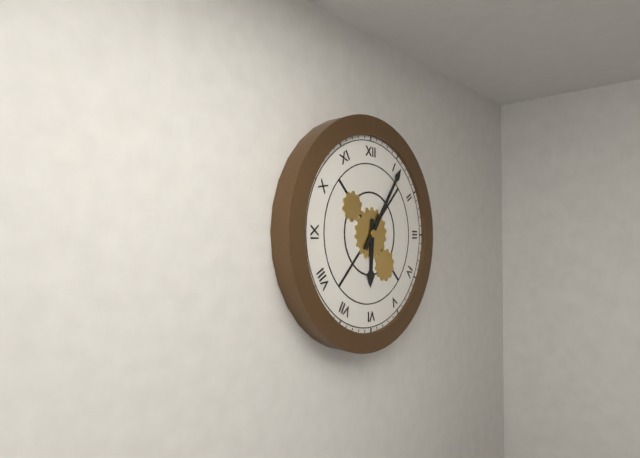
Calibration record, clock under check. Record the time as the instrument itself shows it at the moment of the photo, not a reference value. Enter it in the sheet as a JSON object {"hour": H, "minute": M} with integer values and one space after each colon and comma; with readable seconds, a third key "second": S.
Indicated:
{"hour": 6, "minute": 6}
